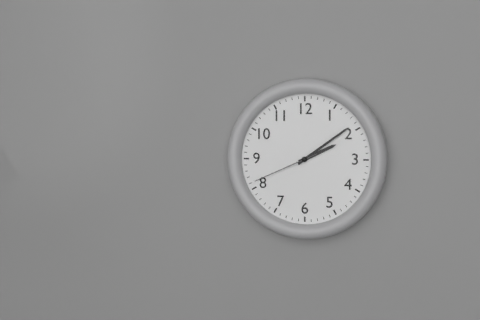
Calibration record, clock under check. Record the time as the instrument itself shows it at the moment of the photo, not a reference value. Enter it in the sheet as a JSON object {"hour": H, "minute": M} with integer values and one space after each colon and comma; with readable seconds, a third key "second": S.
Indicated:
{"hour": 2, "minute": 9, "second": 41}
